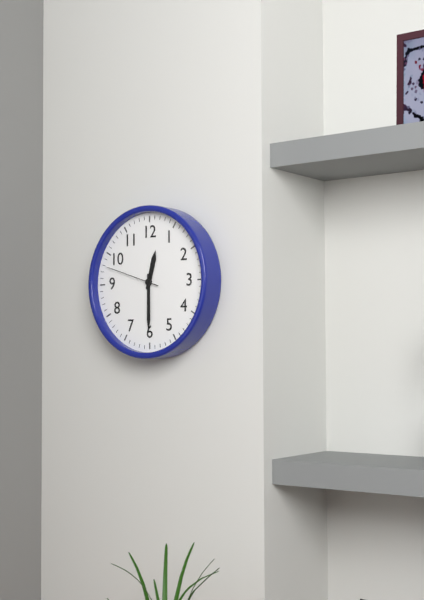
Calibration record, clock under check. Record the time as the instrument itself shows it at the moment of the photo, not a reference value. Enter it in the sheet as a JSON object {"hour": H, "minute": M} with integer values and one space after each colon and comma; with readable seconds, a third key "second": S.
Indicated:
{"hour": 12, "minute": 30, "second": 48}
